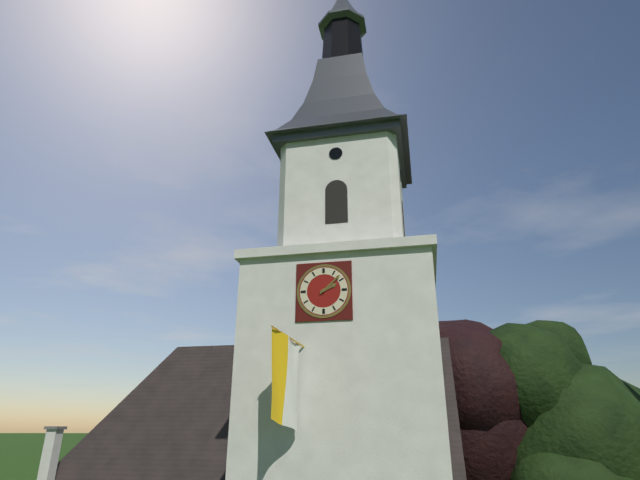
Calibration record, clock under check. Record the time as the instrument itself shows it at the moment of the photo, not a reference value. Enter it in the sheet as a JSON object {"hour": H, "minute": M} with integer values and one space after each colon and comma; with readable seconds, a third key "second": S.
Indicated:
{"hour": 2, "minute": 8}
